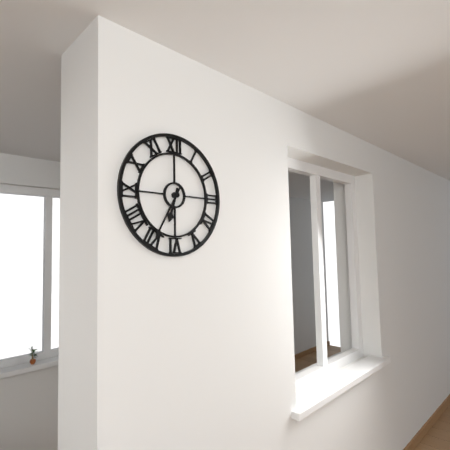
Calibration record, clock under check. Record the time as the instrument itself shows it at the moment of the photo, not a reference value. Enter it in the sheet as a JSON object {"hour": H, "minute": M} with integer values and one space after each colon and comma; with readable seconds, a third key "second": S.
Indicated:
{"hour": 6, "minute": 35}
